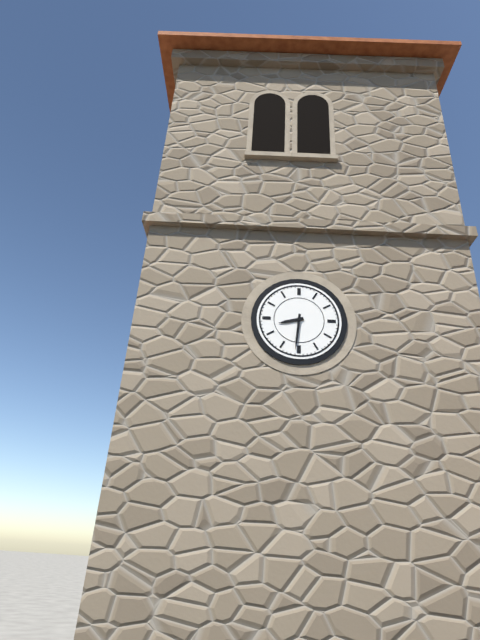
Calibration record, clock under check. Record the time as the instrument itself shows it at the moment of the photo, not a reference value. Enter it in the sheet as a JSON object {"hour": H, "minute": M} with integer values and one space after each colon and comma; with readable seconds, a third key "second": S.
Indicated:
{"hour": 8, "minute": 31}
